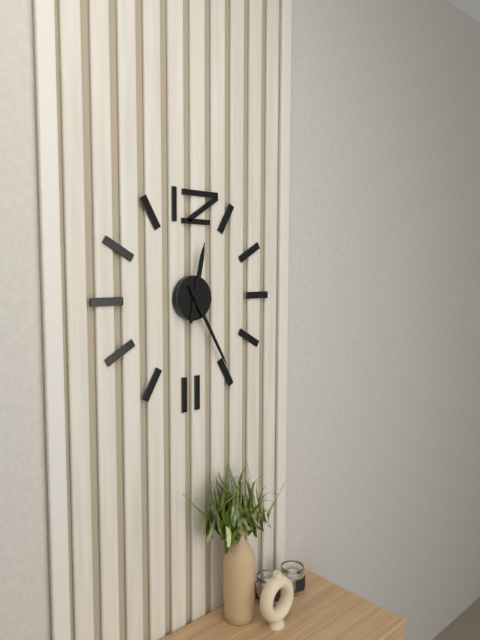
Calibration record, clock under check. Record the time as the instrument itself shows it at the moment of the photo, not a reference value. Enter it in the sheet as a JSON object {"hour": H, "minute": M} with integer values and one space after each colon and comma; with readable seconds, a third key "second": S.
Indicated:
{"hour": 12, "minute": 25}
